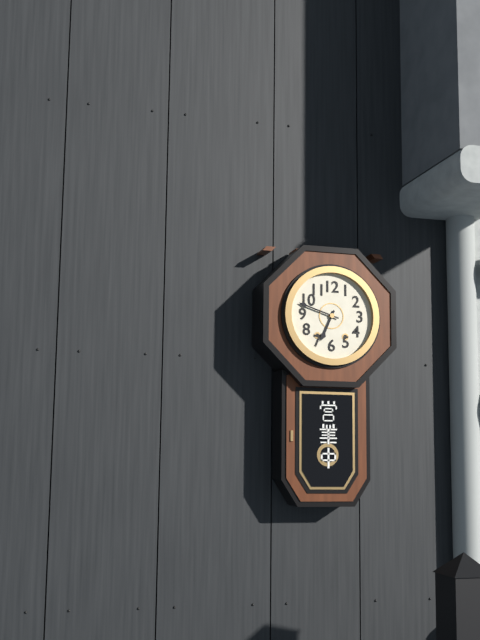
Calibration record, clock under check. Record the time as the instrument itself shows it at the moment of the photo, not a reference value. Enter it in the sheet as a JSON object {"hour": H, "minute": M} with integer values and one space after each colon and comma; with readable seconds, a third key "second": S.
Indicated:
{"hour": 6, "minute": 48}
